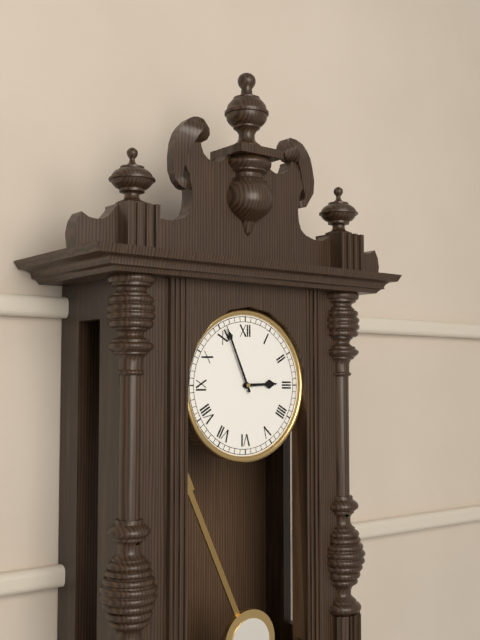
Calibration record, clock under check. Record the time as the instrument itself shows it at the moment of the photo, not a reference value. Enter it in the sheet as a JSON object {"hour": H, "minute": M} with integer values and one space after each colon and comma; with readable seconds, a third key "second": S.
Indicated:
{"hour": 2, "minute": 56}
